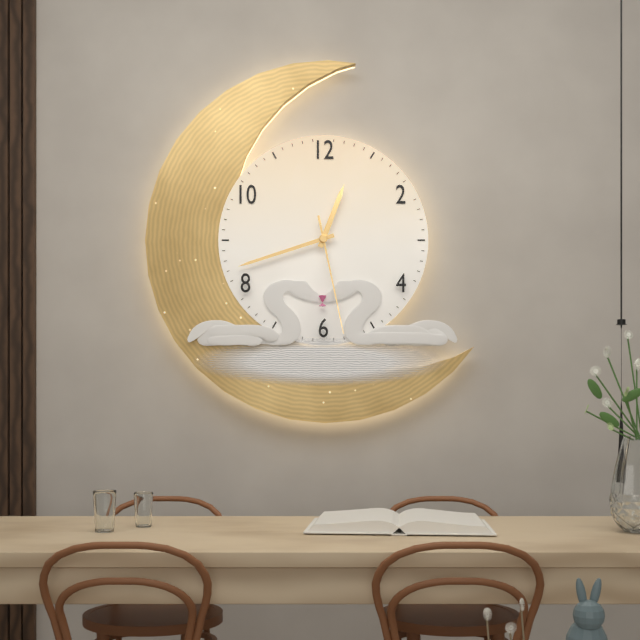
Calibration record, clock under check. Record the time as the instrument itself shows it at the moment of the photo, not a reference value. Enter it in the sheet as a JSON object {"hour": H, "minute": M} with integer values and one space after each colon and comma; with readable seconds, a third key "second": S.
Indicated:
{"hour": 12, "minute": 42, "second": 28}
